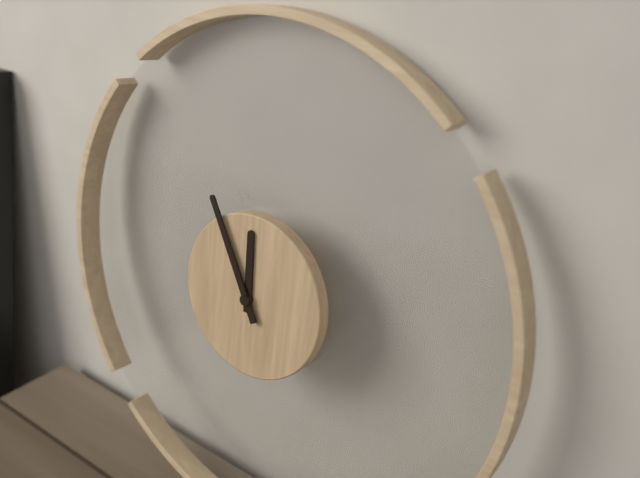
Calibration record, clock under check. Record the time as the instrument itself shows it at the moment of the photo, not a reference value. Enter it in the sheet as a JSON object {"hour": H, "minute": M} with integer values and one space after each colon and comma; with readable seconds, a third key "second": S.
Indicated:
{"hour": 11, "minute": 55}
